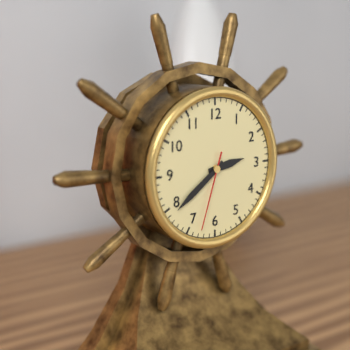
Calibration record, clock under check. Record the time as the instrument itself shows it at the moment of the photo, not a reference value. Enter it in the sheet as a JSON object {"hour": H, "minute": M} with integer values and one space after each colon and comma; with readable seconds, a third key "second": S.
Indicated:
{"hour": 2, "minute": 39, "second": 33}
